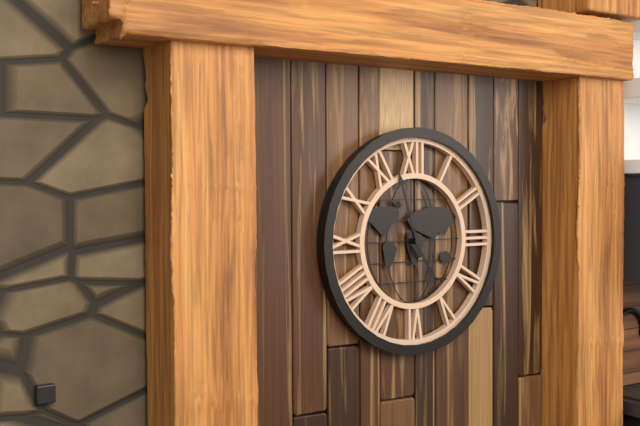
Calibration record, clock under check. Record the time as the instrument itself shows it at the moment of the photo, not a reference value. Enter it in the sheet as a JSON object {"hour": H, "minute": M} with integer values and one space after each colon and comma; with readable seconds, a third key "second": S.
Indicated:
{"hour": 4, "minute": 57}
